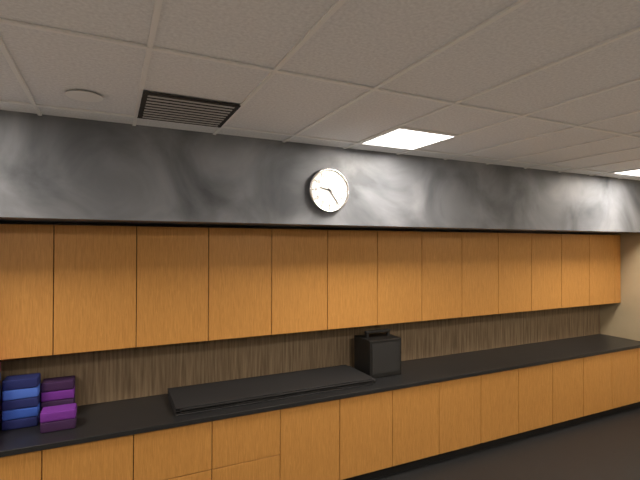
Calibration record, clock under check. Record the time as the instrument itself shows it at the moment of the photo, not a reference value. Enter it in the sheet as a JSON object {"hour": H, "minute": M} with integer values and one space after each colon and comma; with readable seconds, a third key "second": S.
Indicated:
{"hour": 9, "minute": 24}
